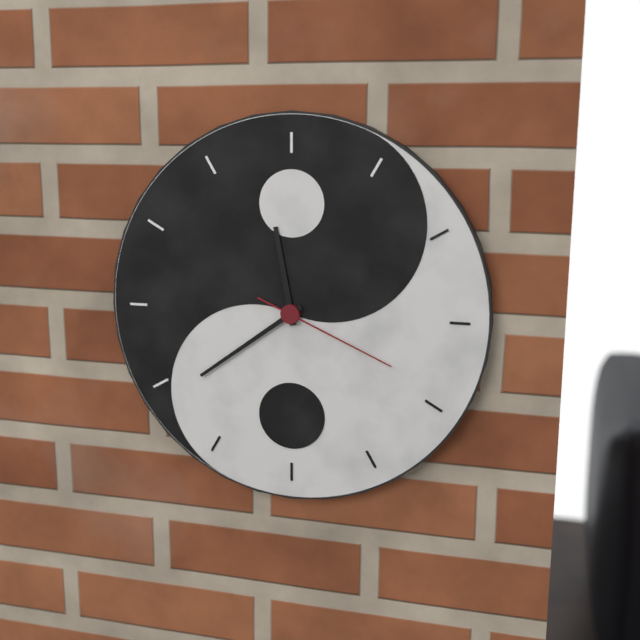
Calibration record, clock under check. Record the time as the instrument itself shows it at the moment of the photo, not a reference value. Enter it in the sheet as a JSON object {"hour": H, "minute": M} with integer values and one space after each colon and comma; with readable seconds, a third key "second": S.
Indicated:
{"hour": 11, "minute": 39, "second": 19}
